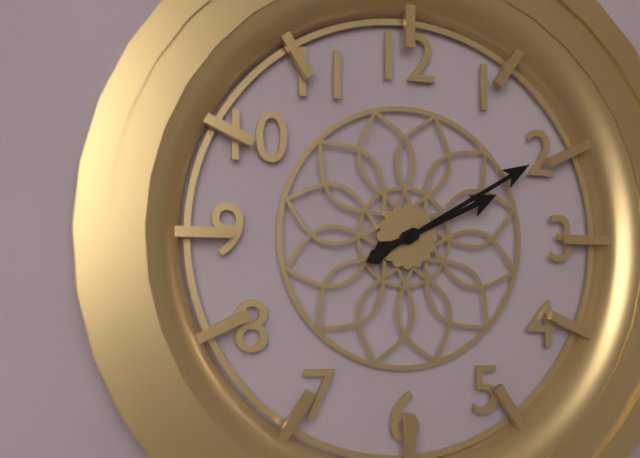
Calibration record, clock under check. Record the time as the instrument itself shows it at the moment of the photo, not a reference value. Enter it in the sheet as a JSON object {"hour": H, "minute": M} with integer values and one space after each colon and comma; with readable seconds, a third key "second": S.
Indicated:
{"hour": 2, "minute": 10}
